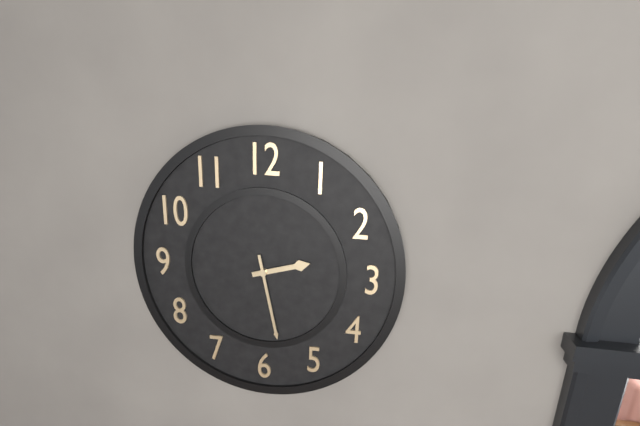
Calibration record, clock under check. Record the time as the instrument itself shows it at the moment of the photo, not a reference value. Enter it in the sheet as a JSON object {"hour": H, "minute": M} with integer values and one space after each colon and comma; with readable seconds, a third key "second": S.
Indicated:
{"hour": 2, "minute": 28}
